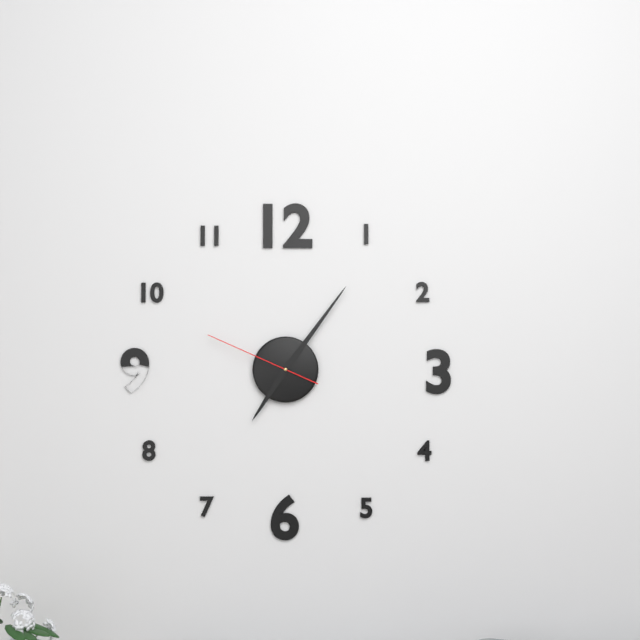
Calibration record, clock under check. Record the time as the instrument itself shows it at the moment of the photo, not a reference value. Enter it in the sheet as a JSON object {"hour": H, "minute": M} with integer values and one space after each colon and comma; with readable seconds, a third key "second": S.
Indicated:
{"hour": 7, "minute": 6, "second": 49}
